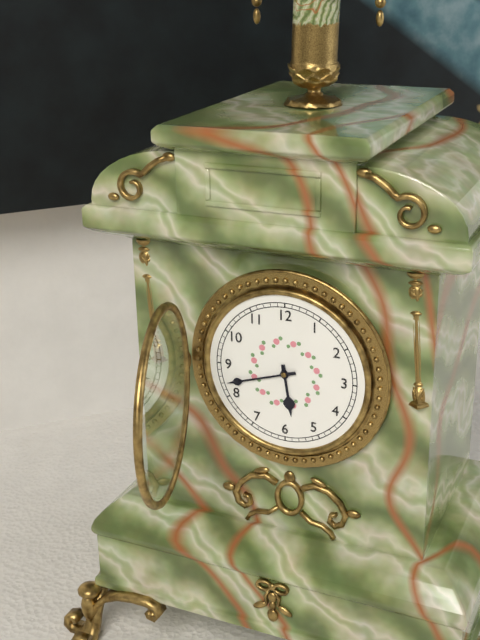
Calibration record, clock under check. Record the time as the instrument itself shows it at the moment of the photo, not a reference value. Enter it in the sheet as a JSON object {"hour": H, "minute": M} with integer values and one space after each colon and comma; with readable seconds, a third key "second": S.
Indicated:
{"hour": 5, "minute": 42}
